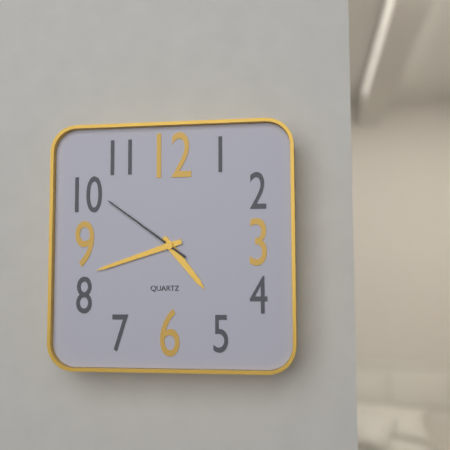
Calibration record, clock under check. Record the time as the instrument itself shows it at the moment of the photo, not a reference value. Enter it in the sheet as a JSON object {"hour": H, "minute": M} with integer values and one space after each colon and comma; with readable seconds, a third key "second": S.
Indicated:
{"hour": 4, "minute": 42, "second": 51}
